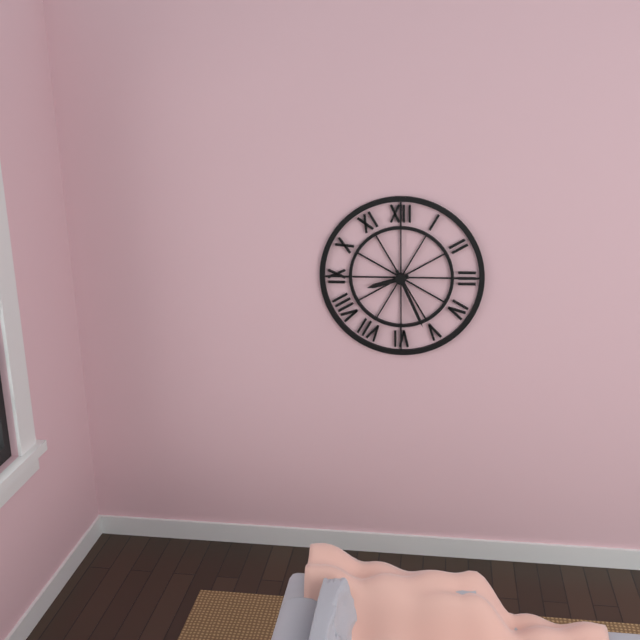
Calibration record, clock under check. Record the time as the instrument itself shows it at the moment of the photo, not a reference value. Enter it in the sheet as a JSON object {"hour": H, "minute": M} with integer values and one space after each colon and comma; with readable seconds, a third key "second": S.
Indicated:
{"hour": 8, "minute": 26}
